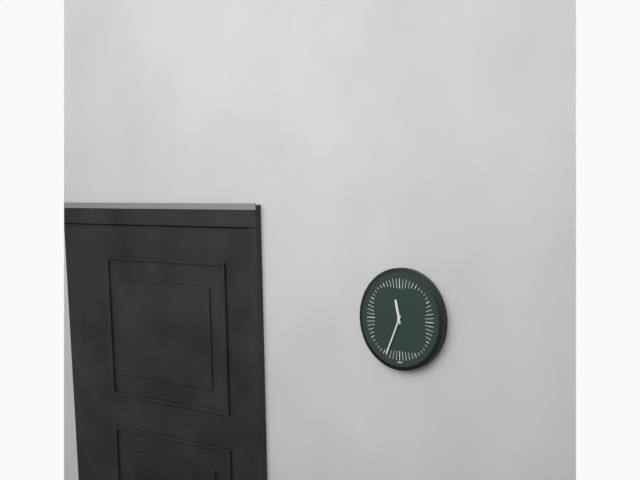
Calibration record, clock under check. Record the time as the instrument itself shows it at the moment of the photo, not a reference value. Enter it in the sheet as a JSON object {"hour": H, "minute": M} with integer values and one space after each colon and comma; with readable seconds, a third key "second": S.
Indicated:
{"hour": 11, "minute": 34}
